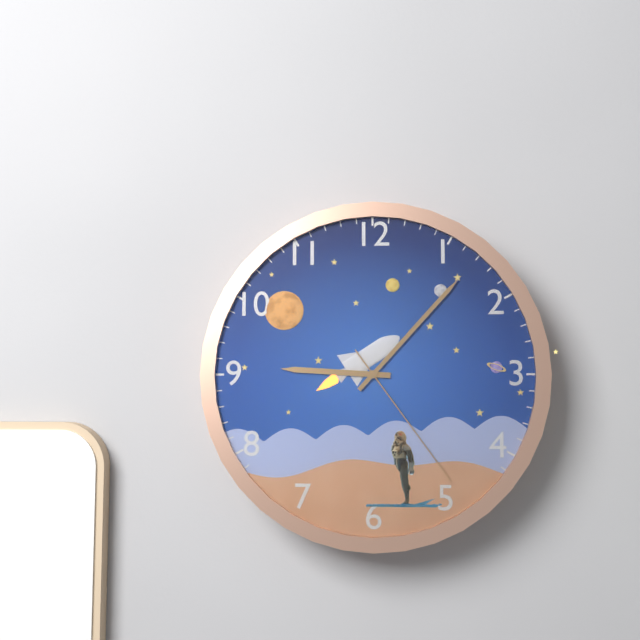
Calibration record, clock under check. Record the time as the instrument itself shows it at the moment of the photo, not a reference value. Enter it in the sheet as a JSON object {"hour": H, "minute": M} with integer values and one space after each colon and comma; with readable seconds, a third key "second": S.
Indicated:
{"hour": 9, "minute": 7, "second": 24}
